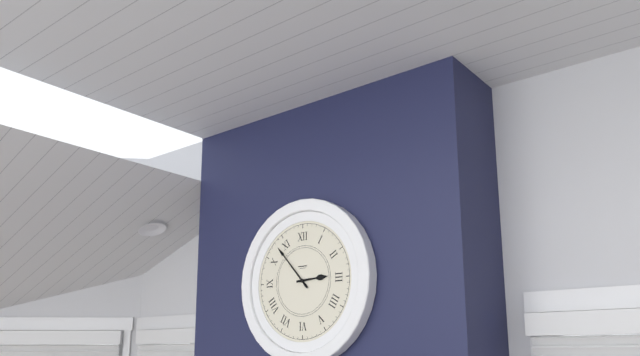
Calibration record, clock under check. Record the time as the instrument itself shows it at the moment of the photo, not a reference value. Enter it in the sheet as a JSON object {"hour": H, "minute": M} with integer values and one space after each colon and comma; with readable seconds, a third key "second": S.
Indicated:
{"hour": 2, "minute": 53}
